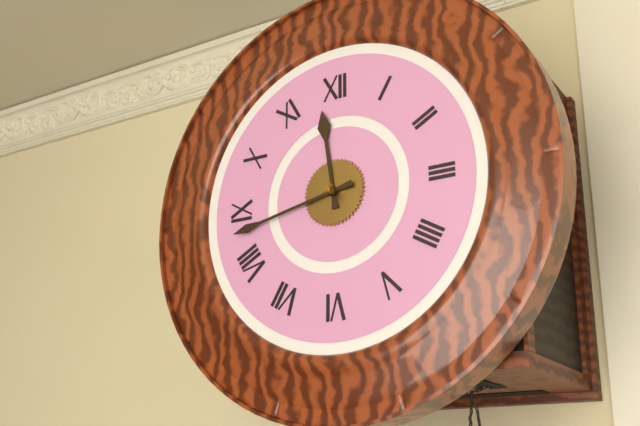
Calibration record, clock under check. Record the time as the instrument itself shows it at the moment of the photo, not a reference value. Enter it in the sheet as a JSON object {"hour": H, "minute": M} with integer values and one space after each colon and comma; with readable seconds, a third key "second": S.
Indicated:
{"hour": 11, "minute": 43}
